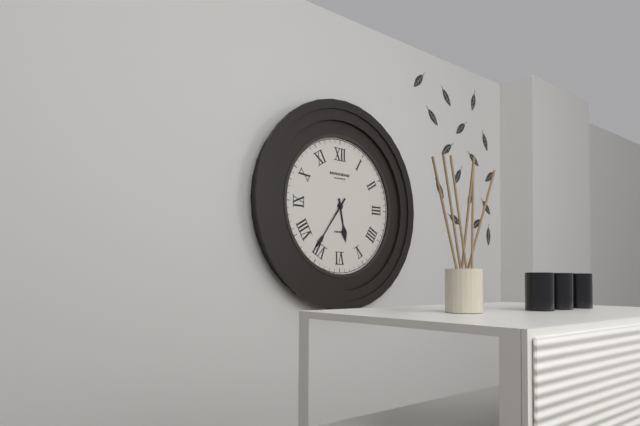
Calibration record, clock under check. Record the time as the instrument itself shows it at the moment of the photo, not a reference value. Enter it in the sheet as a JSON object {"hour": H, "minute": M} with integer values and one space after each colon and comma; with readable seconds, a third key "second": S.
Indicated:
{"hour": 5, "minute": 36}
